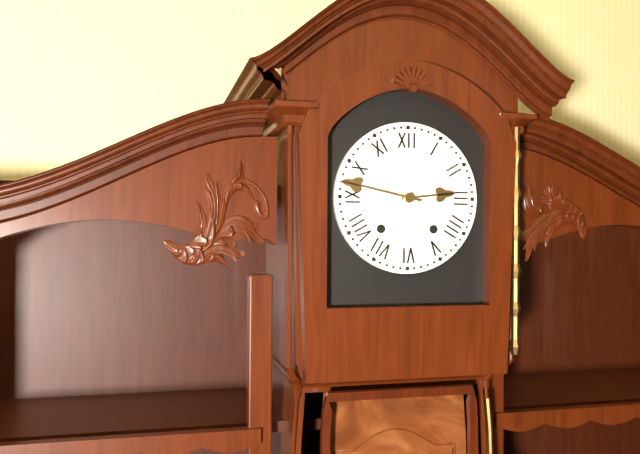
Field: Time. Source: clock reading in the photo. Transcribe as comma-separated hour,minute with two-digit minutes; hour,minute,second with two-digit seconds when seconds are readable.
2,47
